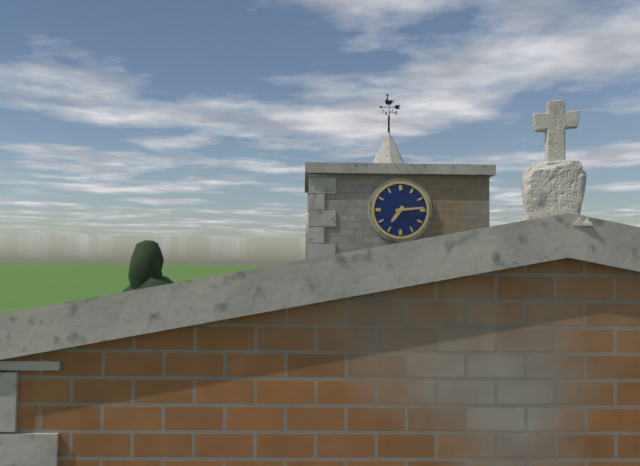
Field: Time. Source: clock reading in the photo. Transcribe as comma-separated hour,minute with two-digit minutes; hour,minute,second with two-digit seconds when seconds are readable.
7,14
